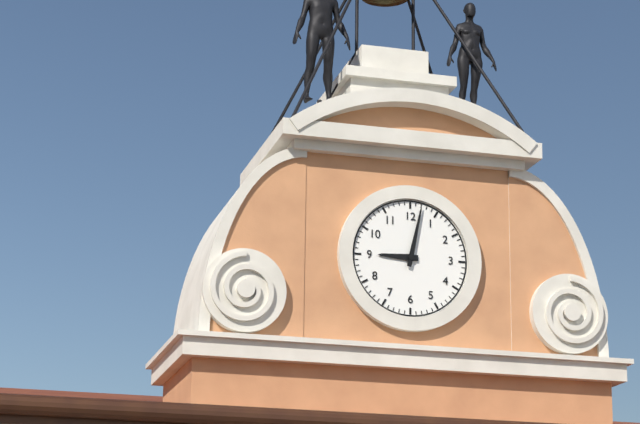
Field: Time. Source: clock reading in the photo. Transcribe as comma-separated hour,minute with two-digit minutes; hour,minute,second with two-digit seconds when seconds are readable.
9,02
